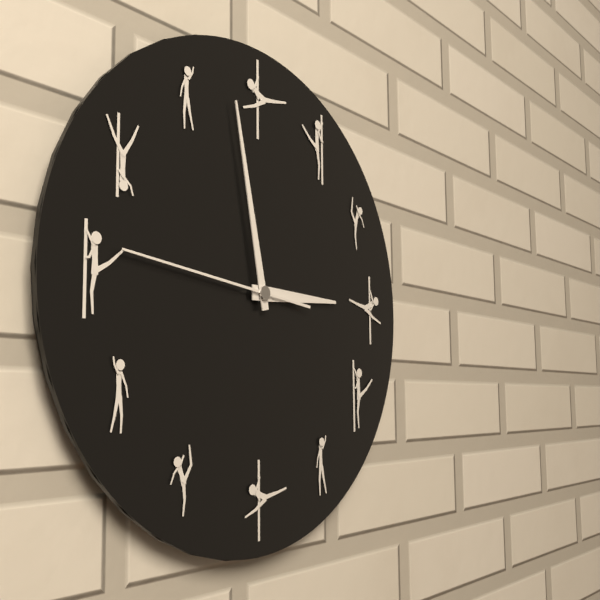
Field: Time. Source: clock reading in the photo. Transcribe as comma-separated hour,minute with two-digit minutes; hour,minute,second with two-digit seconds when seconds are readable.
2,58,46
